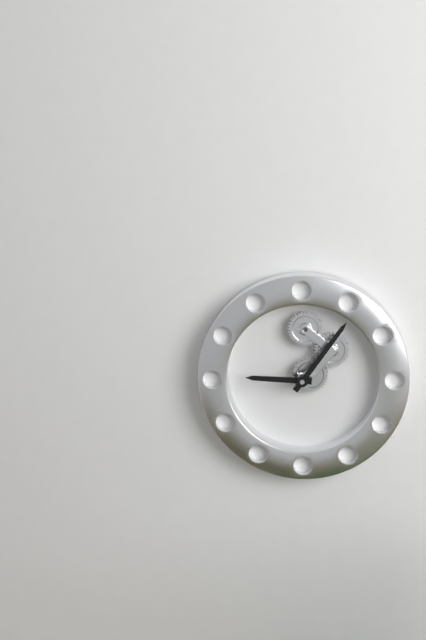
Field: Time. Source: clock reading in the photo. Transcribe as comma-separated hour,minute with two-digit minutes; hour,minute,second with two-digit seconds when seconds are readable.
9,06
